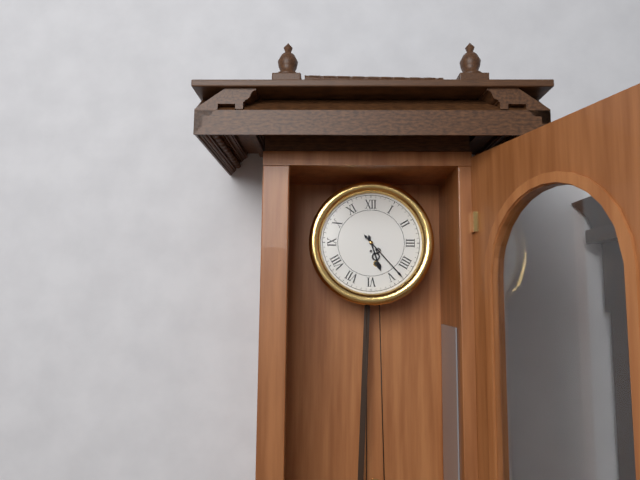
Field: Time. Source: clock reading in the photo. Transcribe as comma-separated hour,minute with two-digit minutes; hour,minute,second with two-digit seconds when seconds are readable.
5,23
